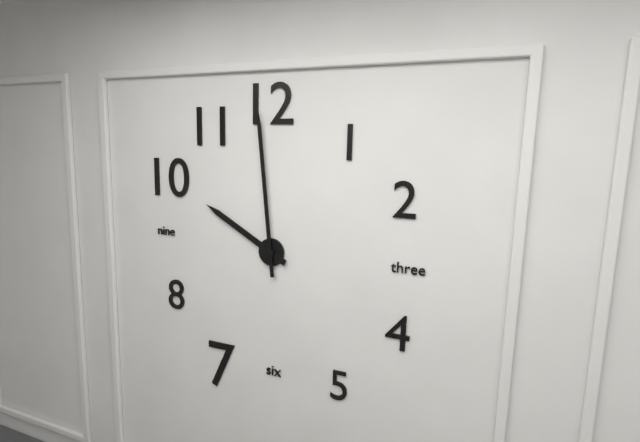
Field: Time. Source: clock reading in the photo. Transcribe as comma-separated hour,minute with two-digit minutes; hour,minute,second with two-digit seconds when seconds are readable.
9,59
